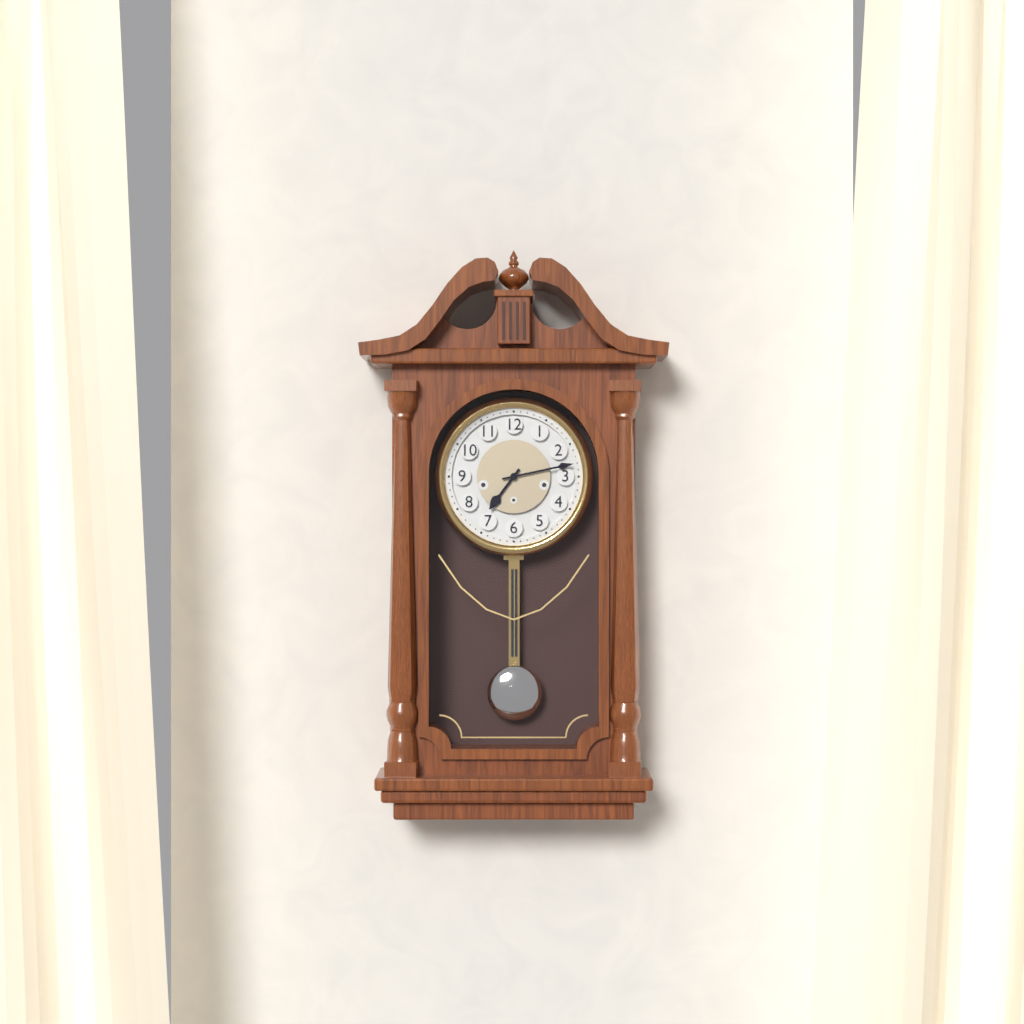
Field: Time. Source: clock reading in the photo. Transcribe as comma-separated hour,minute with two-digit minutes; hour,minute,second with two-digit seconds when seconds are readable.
7,13
